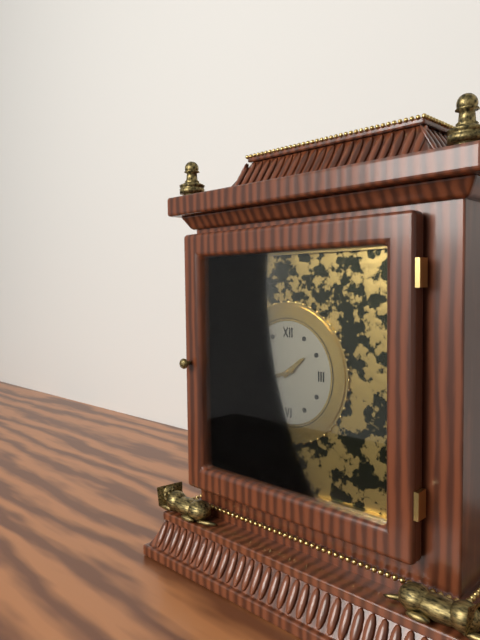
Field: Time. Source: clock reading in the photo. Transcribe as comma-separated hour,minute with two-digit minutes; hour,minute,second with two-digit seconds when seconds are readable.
1,42
